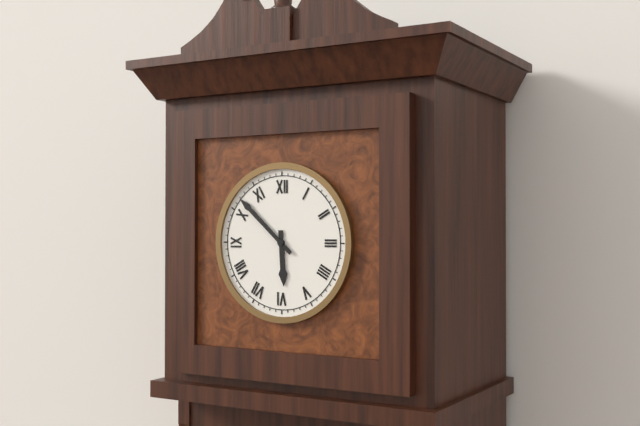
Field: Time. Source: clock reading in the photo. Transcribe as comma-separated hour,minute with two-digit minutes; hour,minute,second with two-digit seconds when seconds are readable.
5,52
